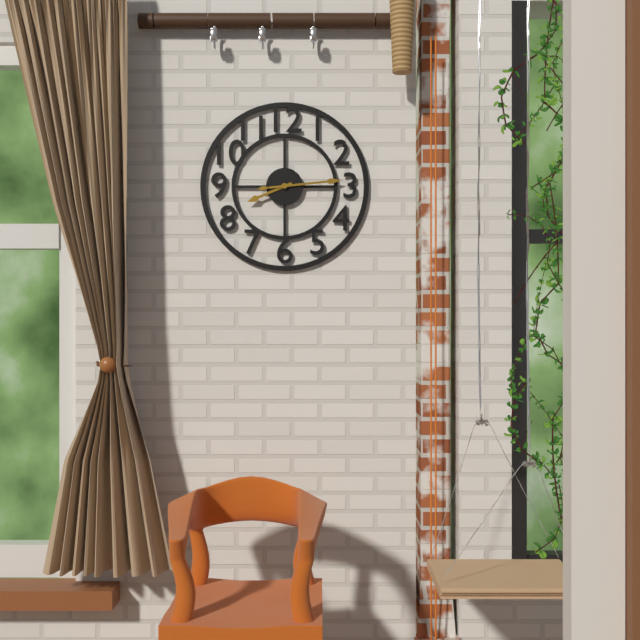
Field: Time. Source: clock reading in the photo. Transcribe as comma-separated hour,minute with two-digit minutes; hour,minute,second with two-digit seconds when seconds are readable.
8,14
